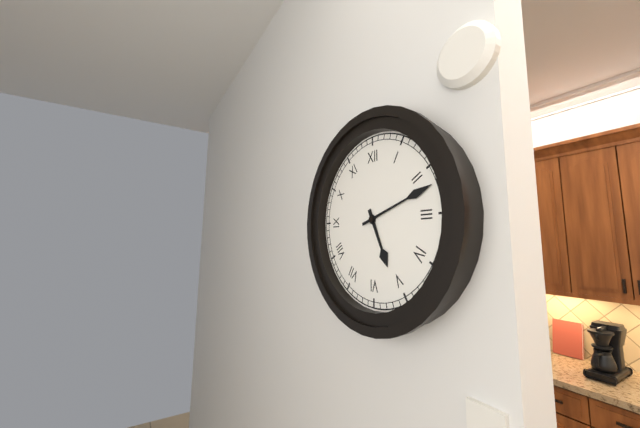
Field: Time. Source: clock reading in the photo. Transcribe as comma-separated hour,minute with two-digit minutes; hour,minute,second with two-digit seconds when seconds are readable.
5,12
